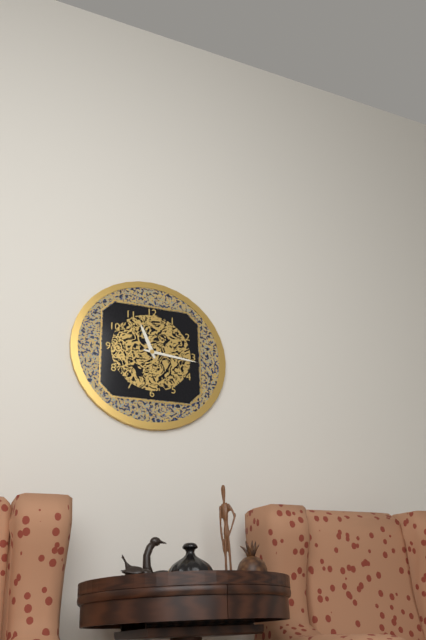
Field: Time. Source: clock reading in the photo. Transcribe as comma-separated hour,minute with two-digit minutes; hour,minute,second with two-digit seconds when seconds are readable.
11,16
